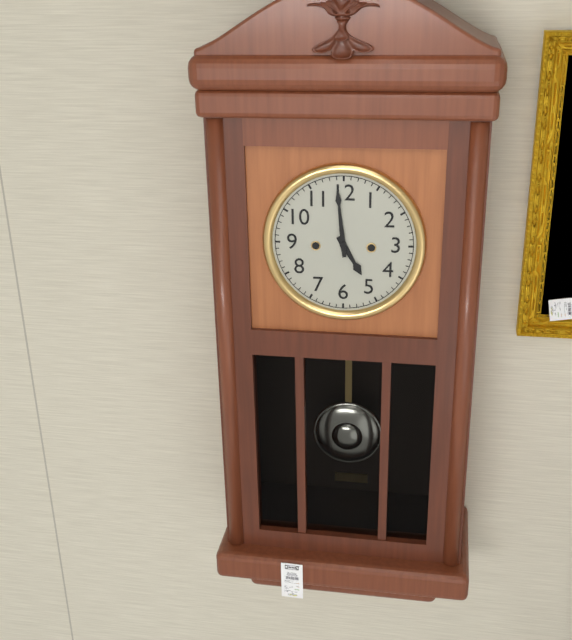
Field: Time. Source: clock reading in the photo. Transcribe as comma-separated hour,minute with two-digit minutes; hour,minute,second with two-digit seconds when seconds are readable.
4,59
